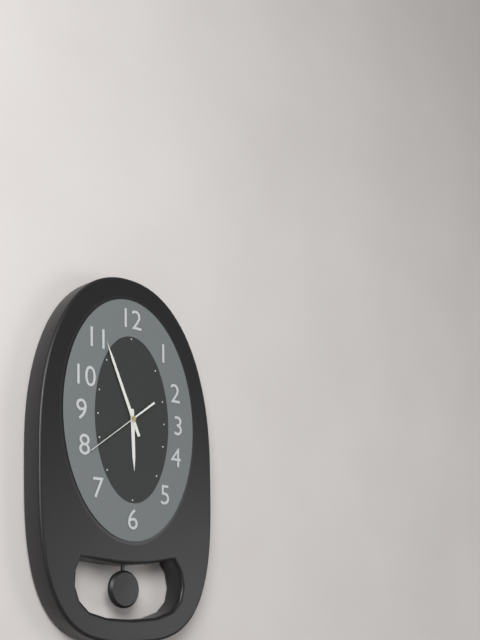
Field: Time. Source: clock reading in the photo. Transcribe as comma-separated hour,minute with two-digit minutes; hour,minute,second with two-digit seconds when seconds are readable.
5,56,39
